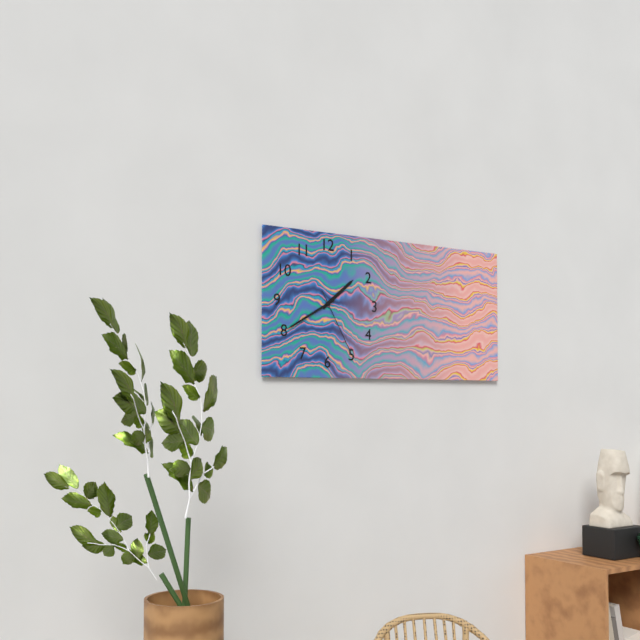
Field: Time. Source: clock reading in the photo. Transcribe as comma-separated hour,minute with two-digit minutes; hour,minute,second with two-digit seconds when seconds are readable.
1,40,25
